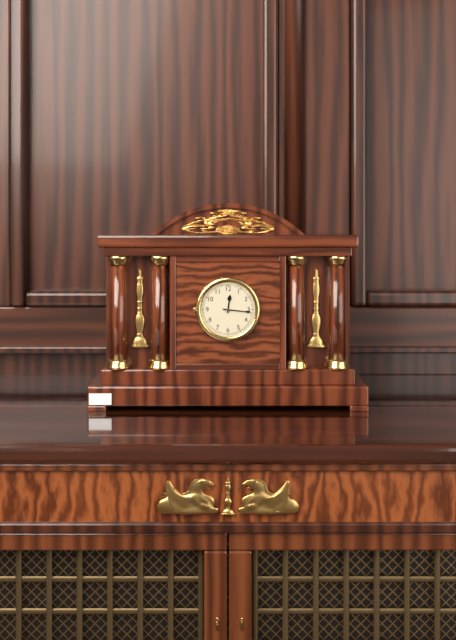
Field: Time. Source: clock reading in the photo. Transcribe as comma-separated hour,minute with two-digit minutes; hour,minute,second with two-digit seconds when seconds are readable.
12,16
